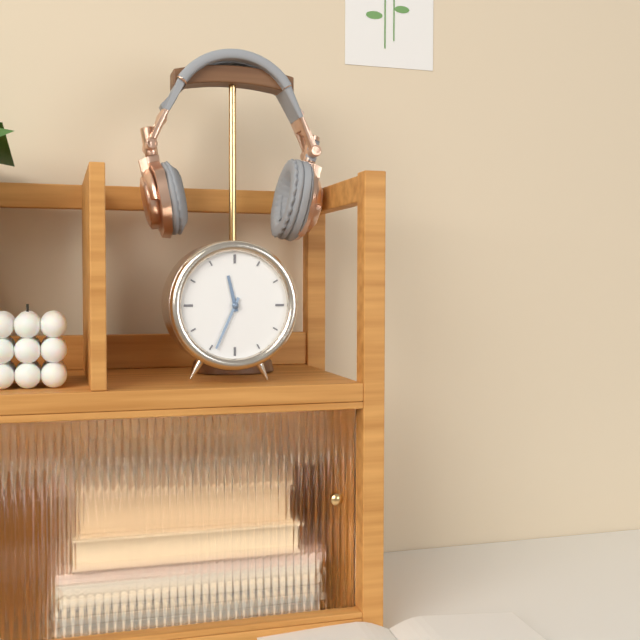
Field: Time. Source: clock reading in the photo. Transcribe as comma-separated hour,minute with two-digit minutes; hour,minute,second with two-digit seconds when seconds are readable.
11,34
